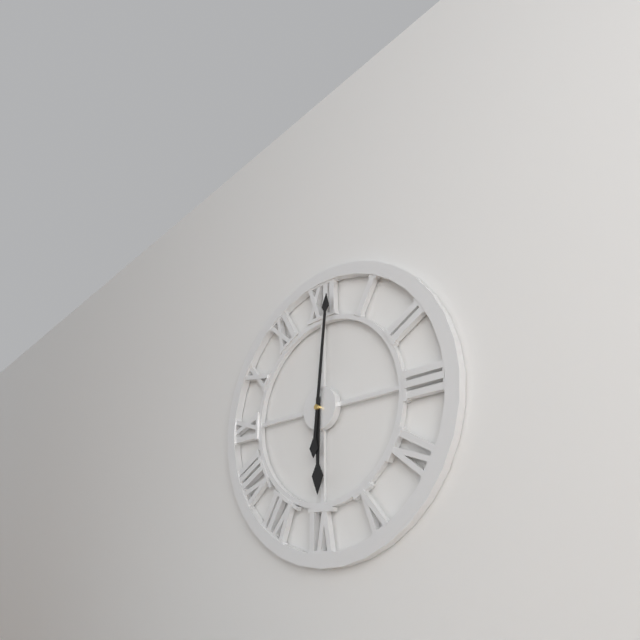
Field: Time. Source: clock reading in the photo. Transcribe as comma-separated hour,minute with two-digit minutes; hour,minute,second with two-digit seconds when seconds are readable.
6,01
